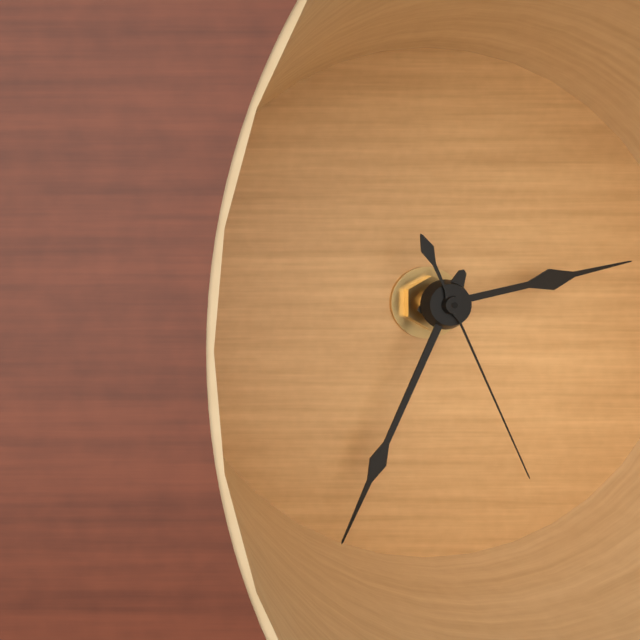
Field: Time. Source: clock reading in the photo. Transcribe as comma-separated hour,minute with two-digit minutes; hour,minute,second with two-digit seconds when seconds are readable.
2,34,26
